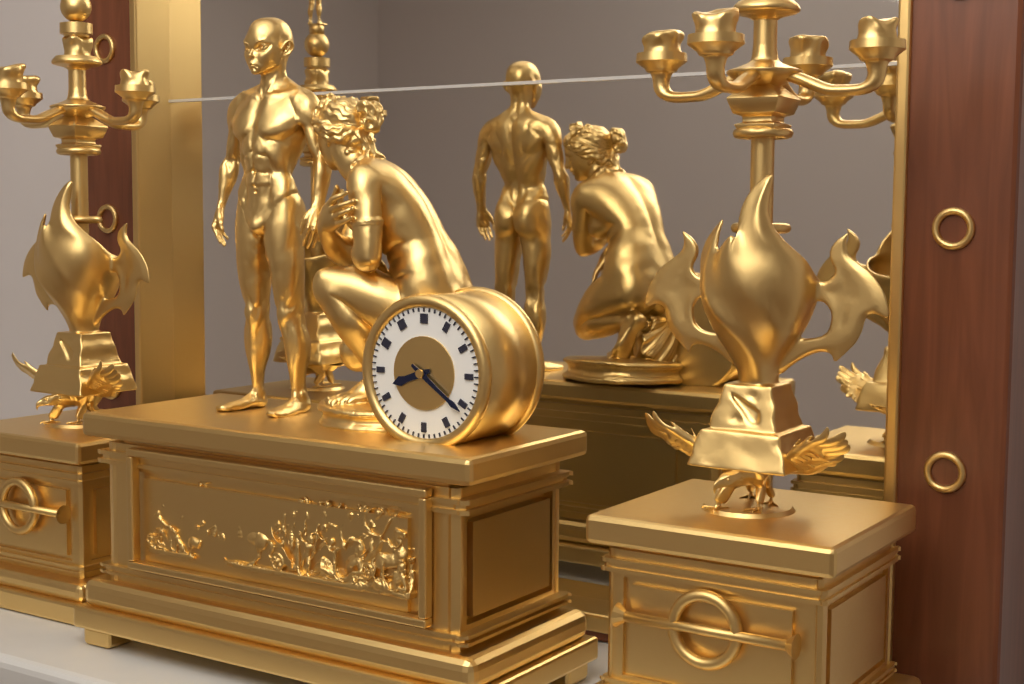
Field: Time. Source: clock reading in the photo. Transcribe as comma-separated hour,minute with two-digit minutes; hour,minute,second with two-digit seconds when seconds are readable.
8,21
